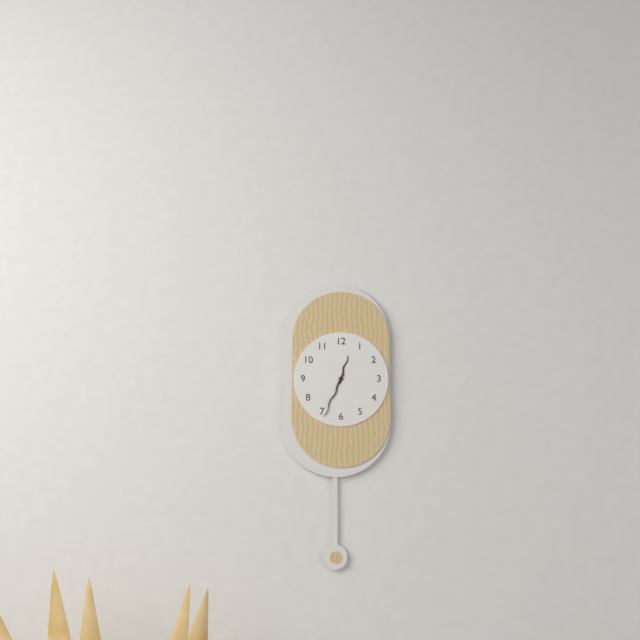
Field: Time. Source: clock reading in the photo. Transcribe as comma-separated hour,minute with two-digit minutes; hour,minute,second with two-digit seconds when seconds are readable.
12,34
